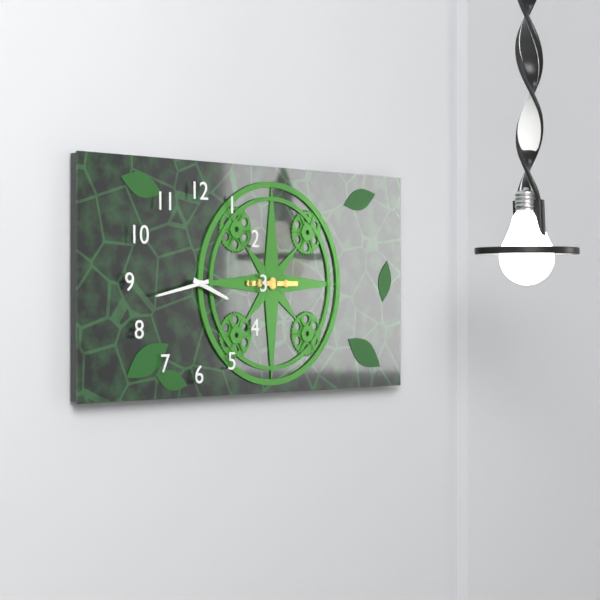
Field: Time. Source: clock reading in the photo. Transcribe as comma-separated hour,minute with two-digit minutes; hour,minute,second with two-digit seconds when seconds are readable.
3,43
